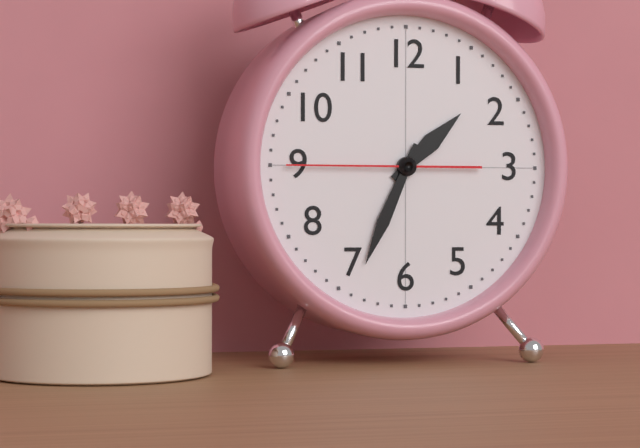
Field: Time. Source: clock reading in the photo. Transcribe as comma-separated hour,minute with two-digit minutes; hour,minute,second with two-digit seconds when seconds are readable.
1,34,45
